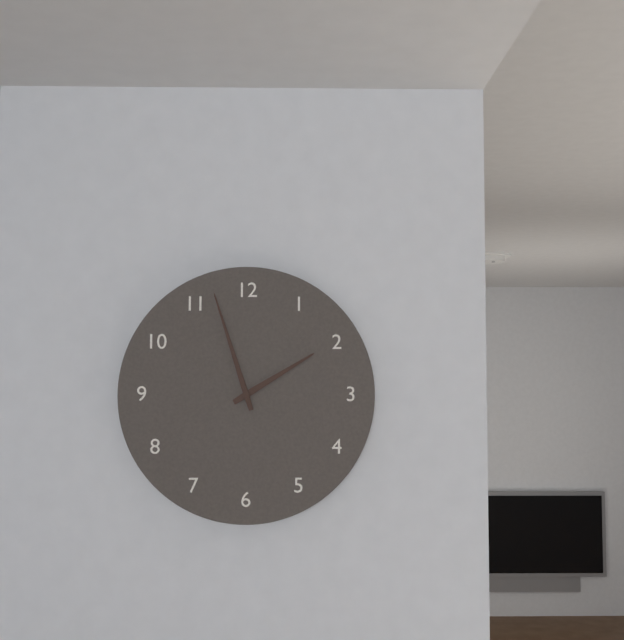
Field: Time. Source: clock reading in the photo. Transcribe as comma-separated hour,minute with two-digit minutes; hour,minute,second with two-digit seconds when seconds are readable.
1,57
